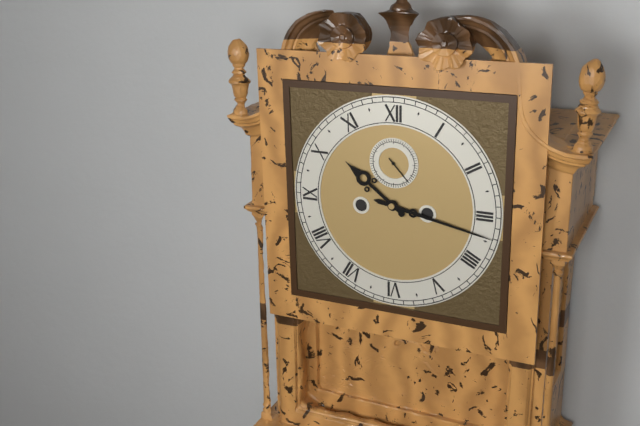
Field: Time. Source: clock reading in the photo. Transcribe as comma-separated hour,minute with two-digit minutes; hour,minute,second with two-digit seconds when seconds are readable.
10,17
